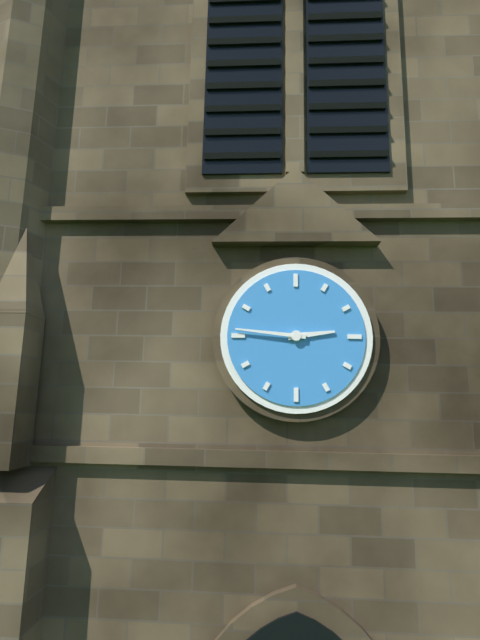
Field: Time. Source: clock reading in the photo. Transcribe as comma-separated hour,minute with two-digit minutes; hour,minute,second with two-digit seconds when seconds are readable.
2,46
